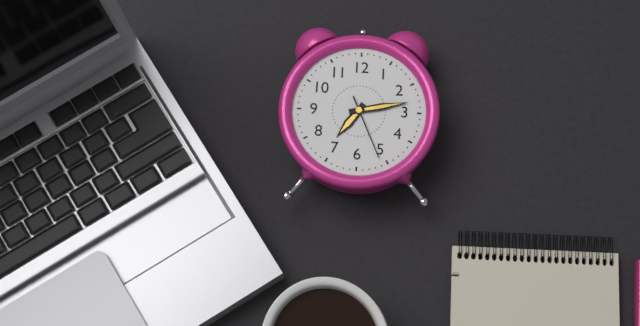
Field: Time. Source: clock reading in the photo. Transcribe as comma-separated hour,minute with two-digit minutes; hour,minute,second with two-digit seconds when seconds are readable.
7,13,26
